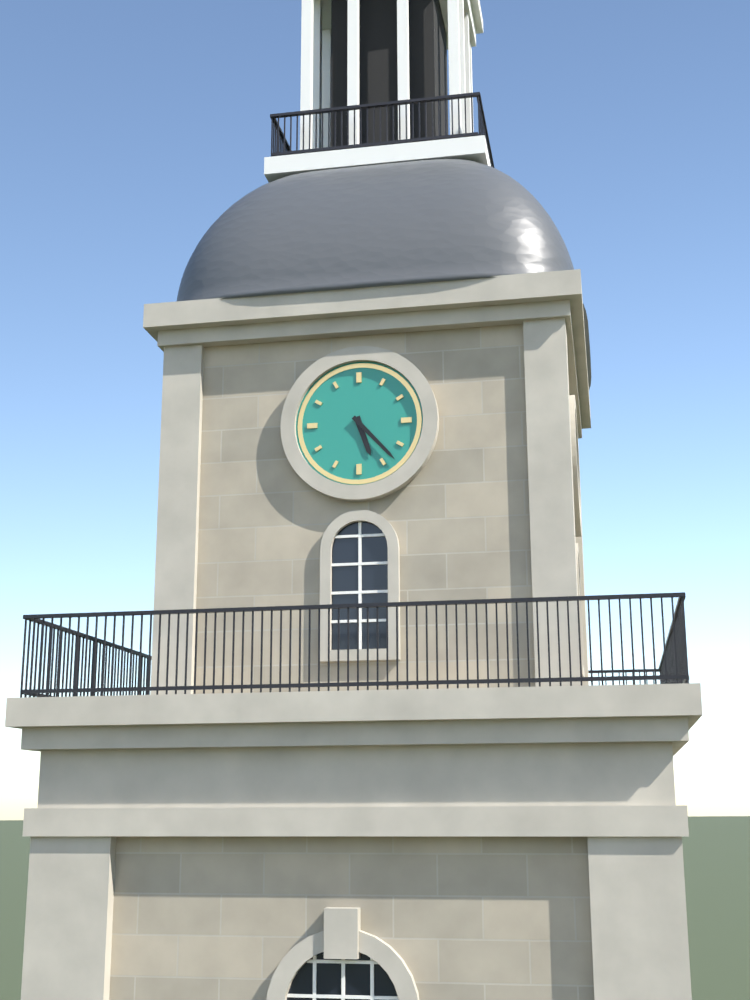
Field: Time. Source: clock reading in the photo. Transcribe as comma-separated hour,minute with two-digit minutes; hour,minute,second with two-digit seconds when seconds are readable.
5,23
